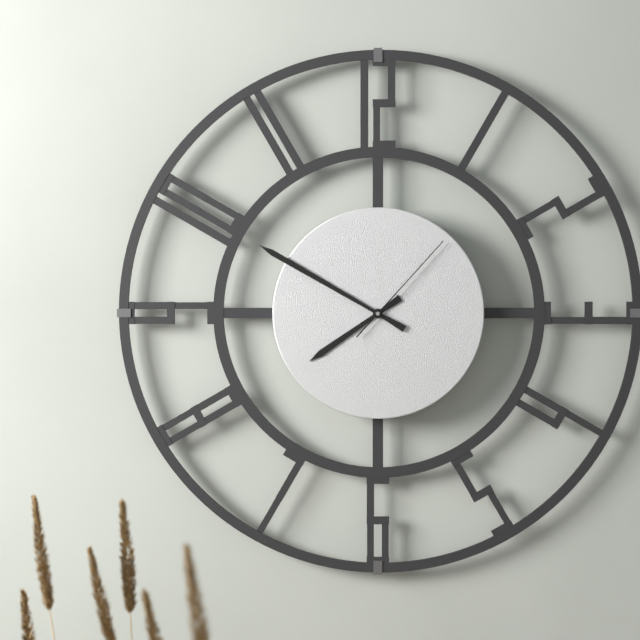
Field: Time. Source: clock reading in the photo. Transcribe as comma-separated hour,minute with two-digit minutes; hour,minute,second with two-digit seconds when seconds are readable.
7,50,07
